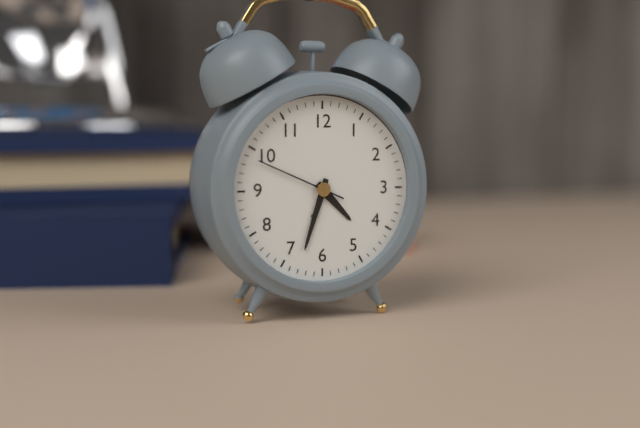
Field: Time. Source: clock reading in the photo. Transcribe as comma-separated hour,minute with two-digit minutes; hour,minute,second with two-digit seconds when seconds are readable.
4,33,49
